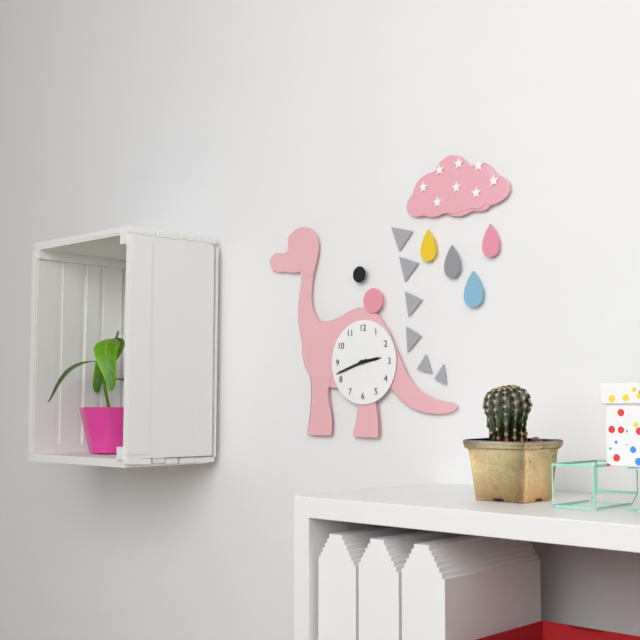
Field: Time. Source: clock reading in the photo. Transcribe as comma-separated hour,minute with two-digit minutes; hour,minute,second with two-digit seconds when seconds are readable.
2,42
